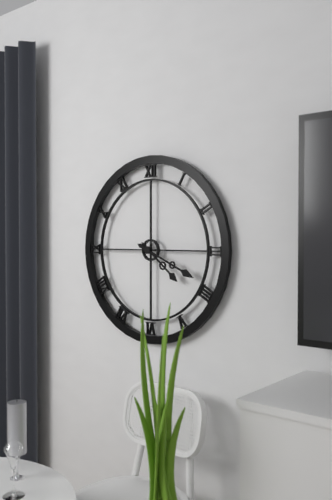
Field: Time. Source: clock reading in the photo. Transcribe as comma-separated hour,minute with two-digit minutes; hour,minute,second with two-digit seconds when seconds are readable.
4,19
